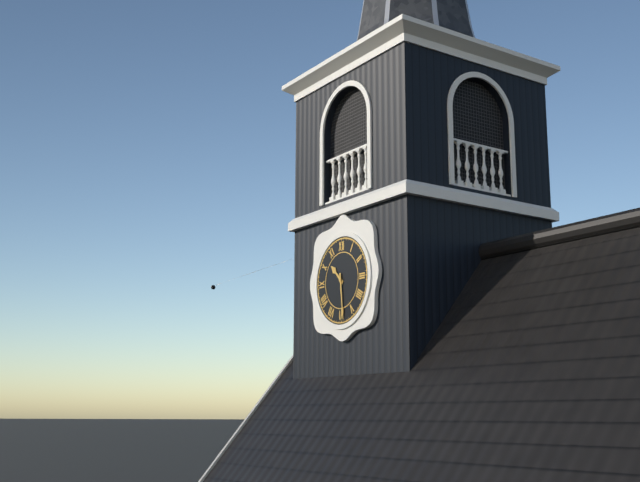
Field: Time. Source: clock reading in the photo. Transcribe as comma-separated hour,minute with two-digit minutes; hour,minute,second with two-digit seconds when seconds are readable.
10,29
